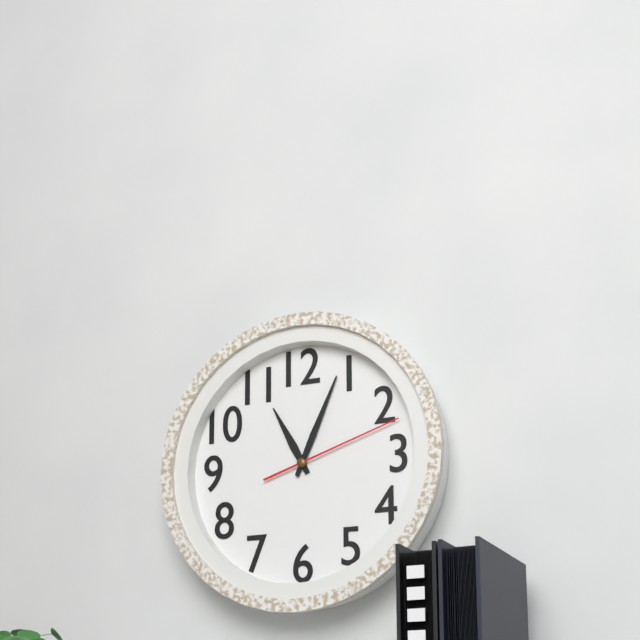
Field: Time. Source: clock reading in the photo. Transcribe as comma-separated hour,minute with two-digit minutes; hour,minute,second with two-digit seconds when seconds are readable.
11,04,12
